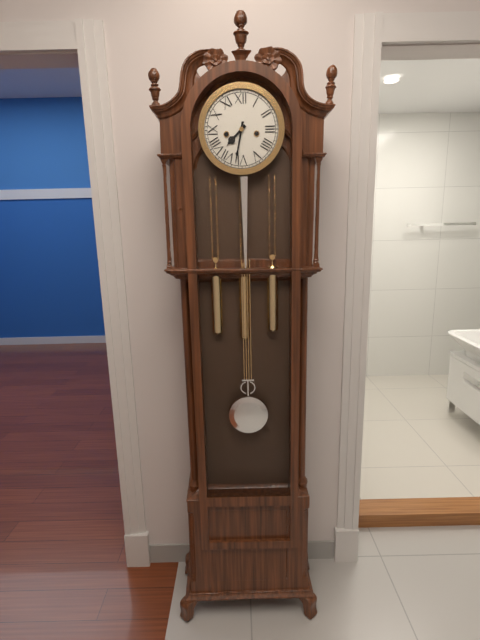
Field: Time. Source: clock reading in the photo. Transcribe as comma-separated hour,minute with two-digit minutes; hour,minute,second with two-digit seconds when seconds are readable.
7,32
